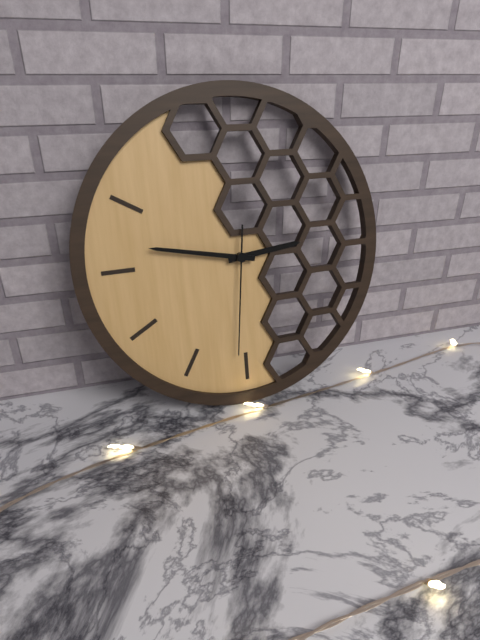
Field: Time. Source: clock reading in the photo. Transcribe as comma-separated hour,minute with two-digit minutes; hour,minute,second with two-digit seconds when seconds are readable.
2,47,31
